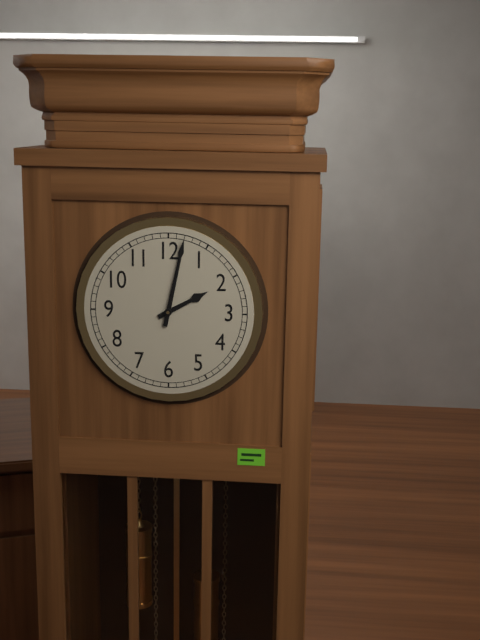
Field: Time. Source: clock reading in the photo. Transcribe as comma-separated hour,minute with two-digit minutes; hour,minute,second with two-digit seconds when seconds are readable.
2,02
